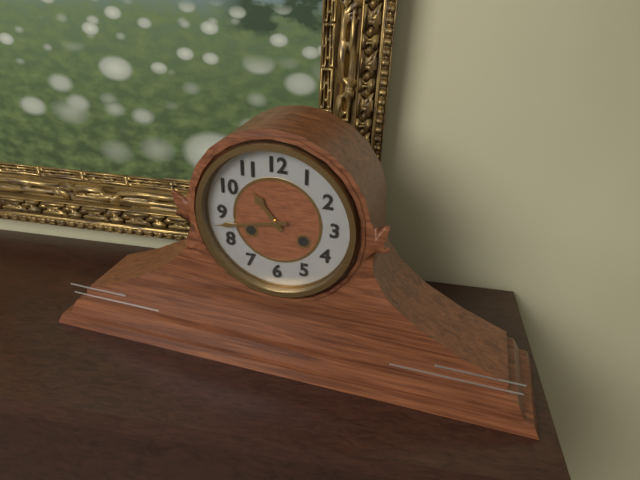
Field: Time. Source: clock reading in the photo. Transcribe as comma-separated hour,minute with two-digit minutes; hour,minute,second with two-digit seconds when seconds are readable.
10,43
